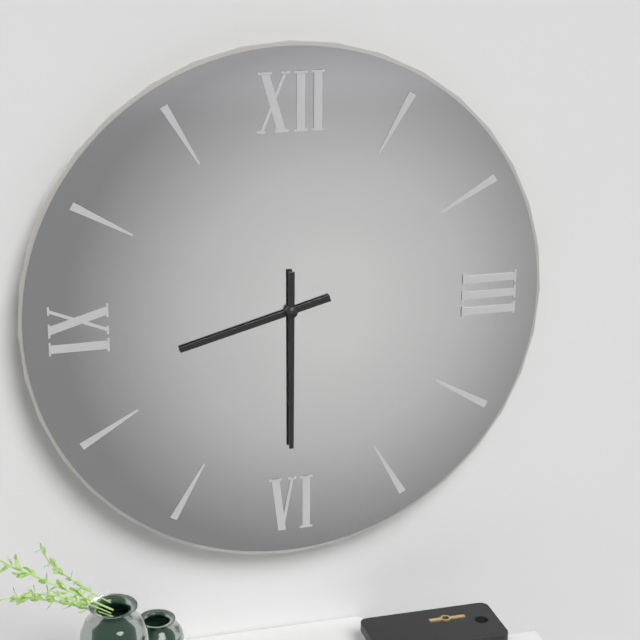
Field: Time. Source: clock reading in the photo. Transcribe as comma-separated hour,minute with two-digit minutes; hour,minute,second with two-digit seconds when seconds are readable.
8,30
